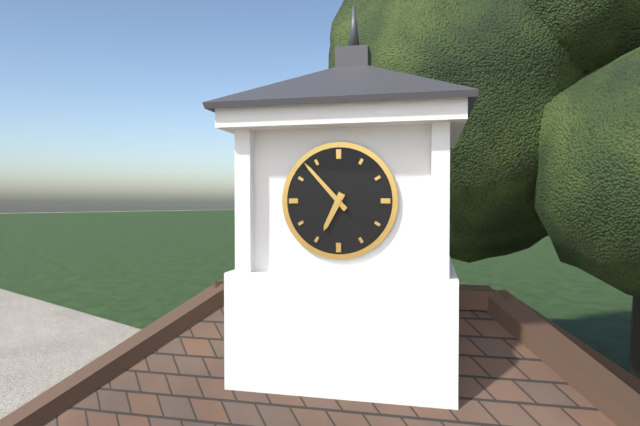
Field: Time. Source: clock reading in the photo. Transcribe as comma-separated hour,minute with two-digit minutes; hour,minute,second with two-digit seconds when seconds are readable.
6,53
